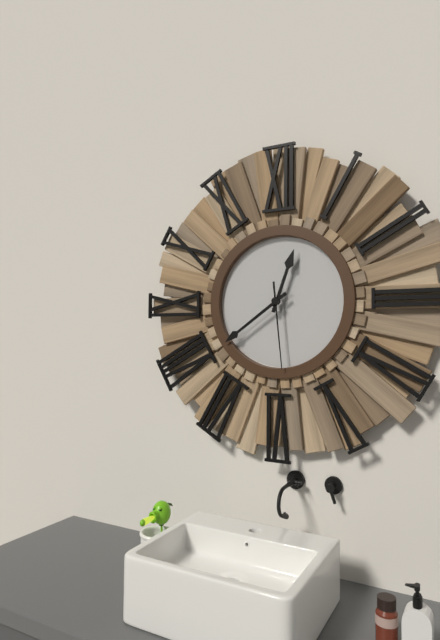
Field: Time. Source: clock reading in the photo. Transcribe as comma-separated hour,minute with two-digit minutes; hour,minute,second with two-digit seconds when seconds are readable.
12,39,29
